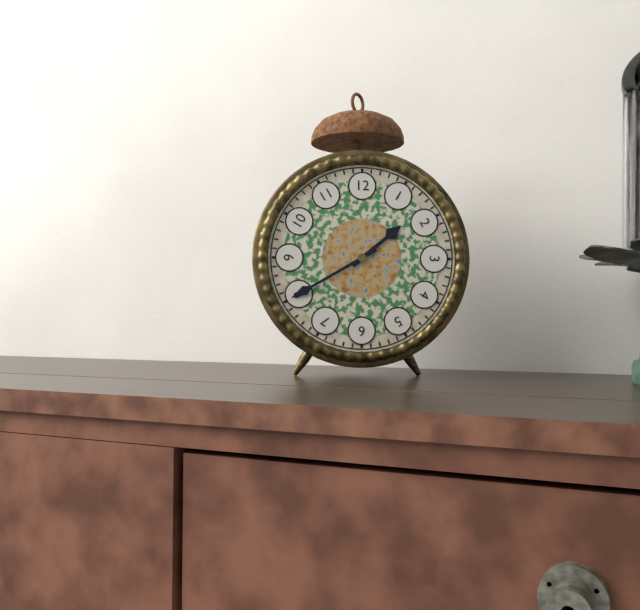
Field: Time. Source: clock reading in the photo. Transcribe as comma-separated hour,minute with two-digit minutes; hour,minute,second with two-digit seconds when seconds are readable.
1,40
